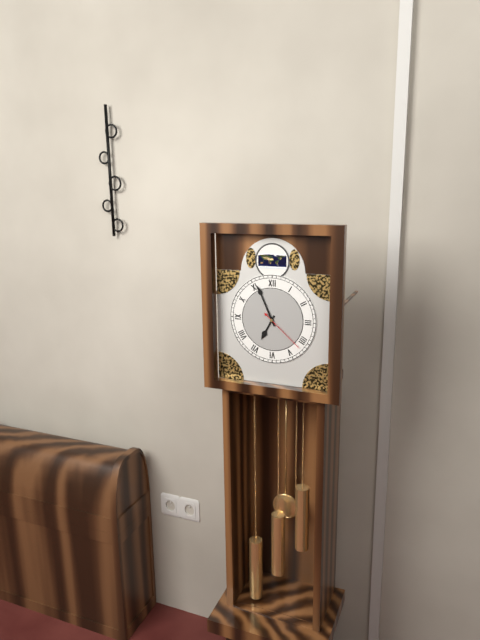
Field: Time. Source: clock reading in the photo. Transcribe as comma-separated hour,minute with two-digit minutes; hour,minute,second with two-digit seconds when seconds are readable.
6,56
